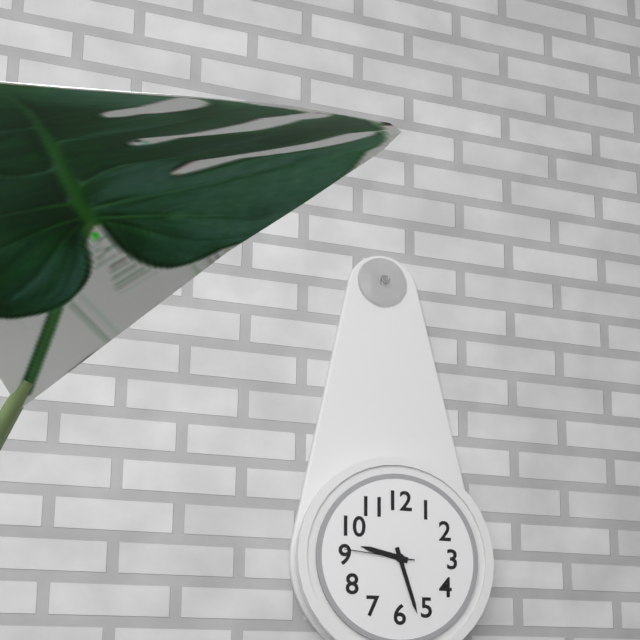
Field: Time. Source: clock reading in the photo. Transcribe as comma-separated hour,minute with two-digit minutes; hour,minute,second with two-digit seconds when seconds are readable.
9,27,46
